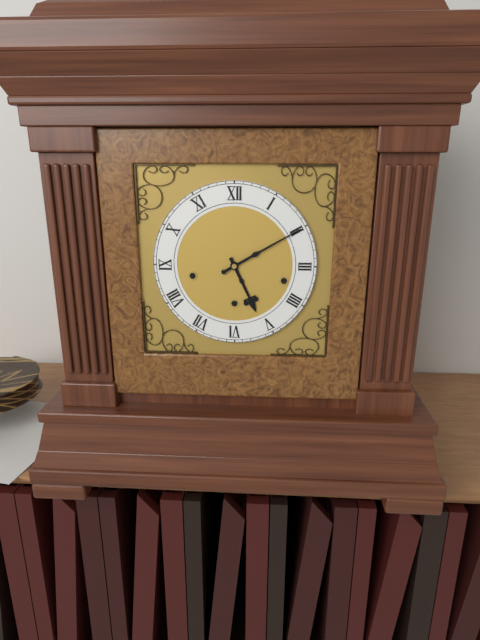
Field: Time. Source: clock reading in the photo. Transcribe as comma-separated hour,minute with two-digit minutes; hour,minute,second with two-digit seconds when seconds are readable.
5,10
